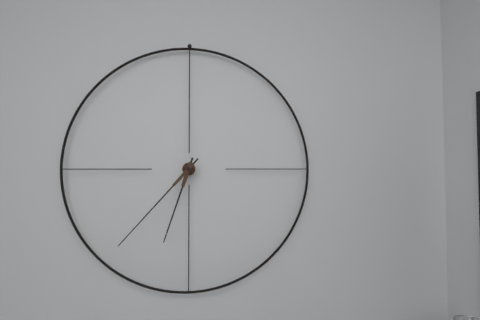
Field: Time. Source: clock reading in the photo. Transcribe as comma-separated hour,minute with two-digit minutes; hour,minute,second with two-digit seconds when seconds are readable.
6,37
